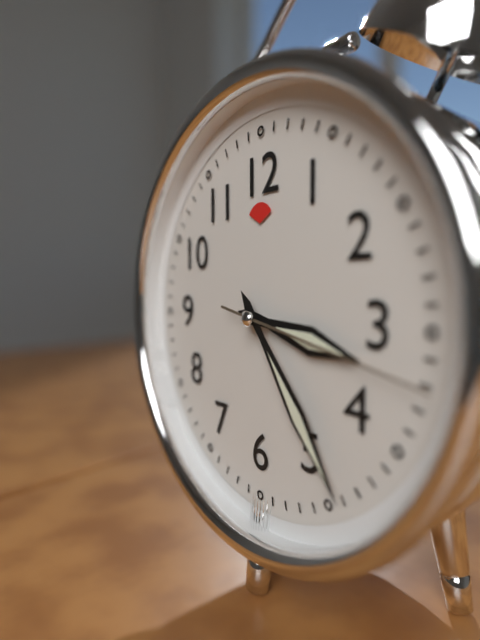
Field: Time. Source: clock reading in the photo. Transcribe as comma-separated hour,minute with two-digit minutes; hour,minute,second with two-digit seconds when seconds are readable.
3,24,17
